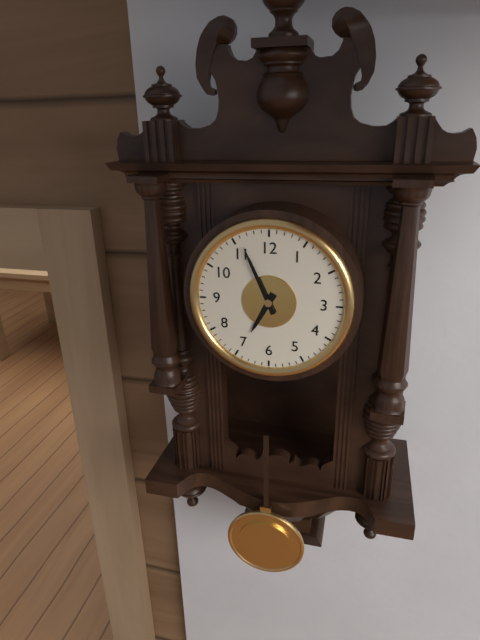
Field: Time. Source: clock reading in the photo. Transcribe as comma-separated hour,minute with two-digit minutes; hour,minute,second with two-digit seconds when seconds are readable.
6,56
